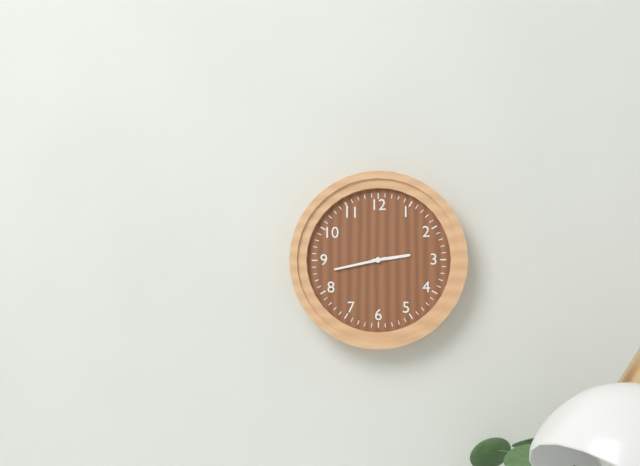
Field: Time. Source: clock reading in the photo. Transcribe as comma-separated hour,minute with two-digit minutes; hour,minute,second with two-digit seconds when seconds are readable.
2,43
